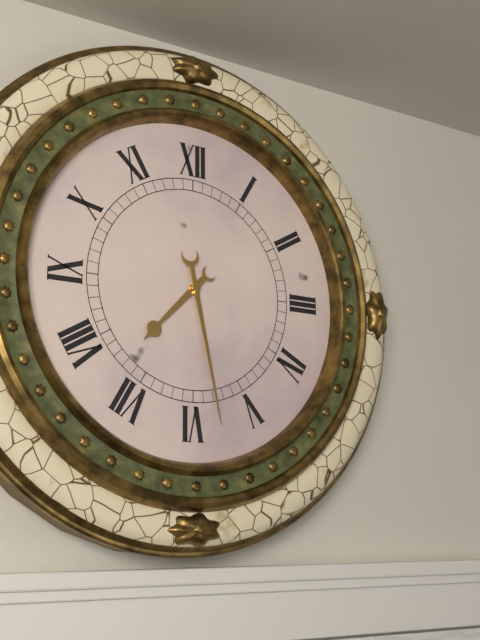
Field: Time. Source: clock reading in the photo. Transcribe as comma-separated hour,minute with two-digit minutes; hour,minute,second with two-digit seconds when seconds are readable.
7,28
